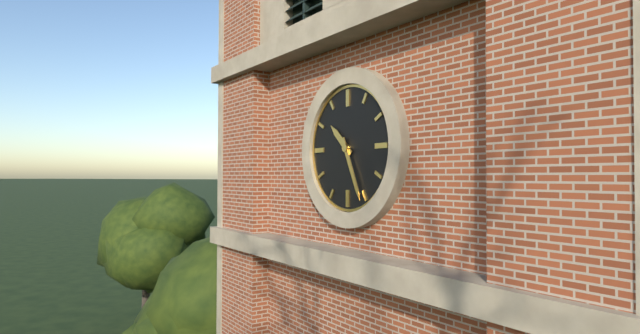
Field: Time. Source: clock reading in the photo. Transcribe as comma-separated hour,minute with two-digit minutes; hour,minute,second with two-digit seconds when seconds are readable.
10,26
